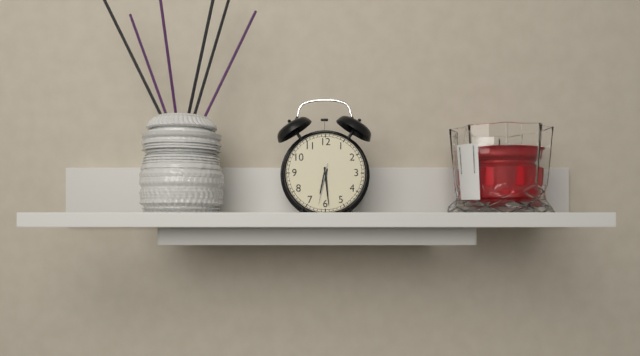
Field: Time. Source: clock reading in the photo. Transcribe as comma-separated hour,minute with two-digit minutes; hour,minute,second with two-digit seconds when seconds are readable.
6,29
